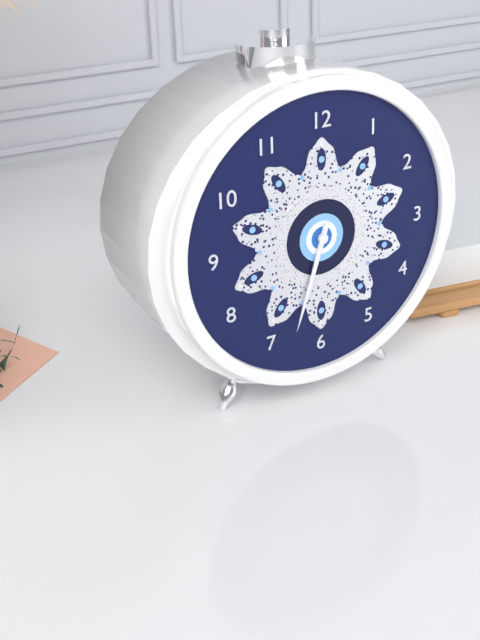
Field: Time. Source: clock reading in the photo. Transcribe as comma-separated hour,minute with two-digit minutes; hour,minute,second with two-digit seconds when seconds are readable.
6,33
